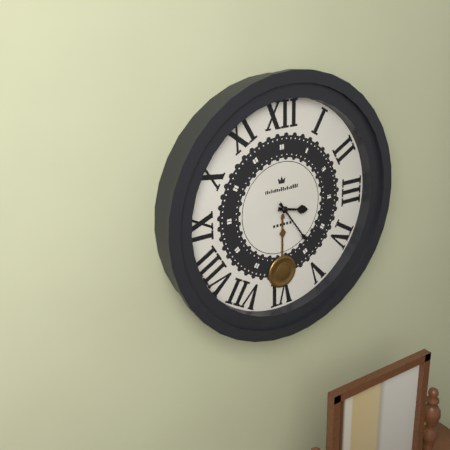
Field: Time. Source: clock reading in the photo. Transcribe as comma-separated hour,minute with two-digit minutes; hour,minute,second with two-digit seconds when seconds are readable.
3,24
